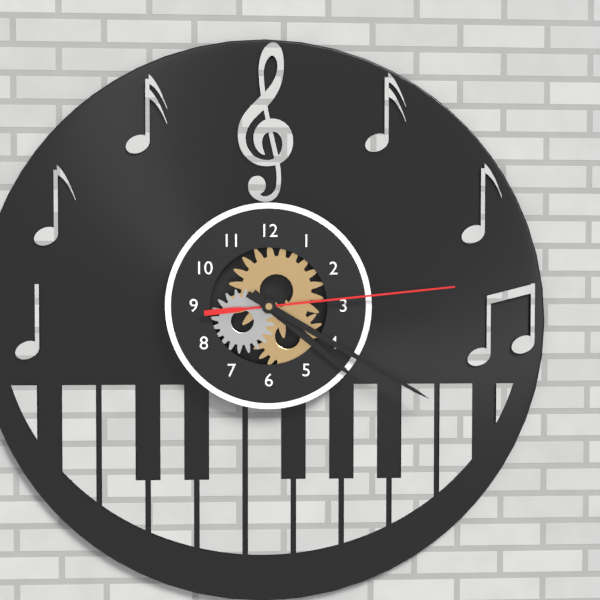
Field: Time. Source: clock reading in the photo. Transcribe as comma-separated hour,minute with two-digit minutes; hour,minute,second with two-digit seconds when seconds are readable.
4,20,14
